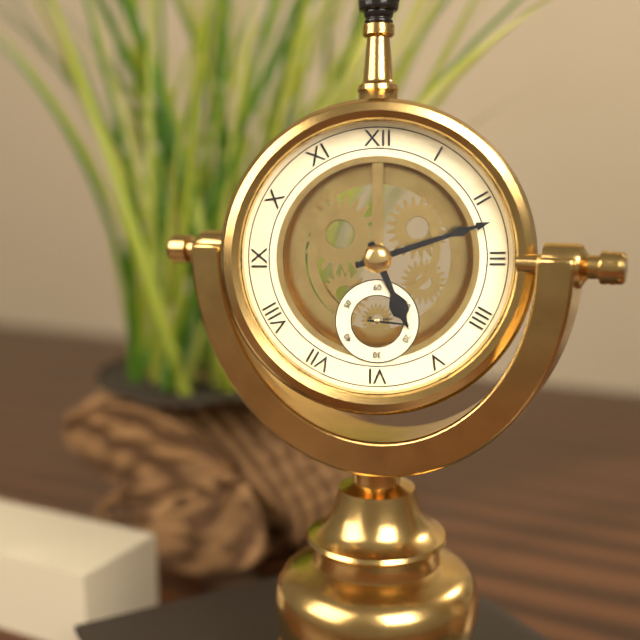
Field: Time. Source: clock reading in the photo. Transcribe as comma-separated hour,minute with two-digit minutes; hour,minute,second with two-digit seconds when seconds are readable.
5,12
